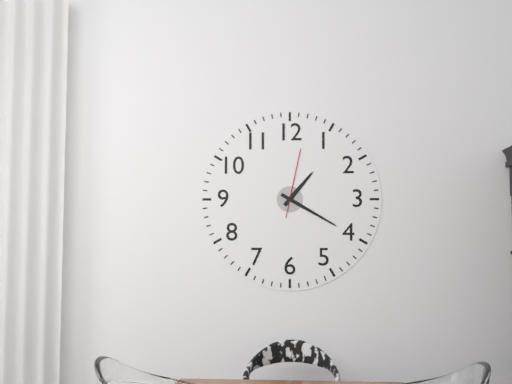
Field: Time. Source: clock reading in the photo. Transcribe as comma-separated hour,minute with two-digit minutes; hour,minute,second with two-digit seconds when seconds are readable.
1,20,02
